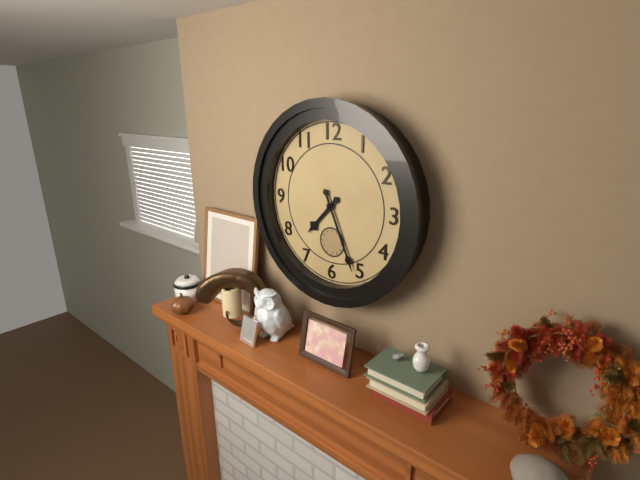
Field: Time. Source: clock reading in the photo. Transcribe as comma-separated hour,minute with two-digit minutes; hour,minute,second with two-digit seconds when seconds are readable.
7,26
